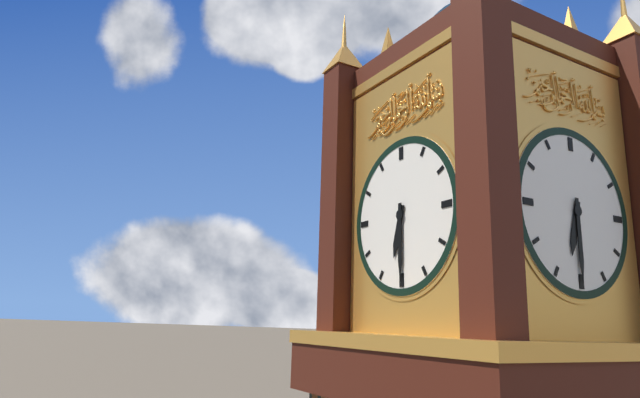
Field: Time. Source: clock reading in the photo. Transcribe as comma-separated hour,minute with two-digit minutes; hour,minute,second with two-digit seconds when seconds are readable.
6,30
